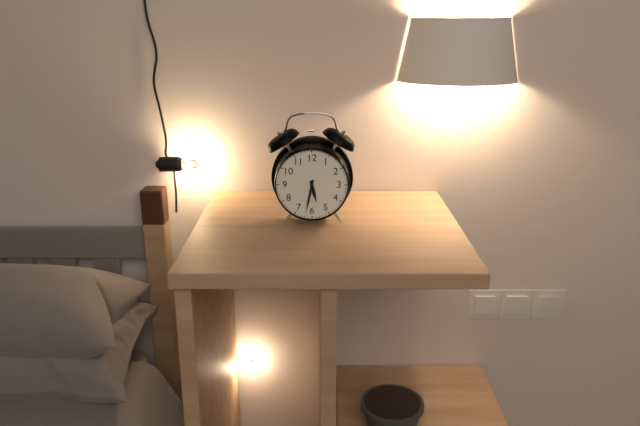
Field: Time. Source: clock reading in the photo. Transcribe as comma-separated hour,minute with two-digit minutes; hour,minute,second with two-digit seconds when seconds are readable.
5,32
